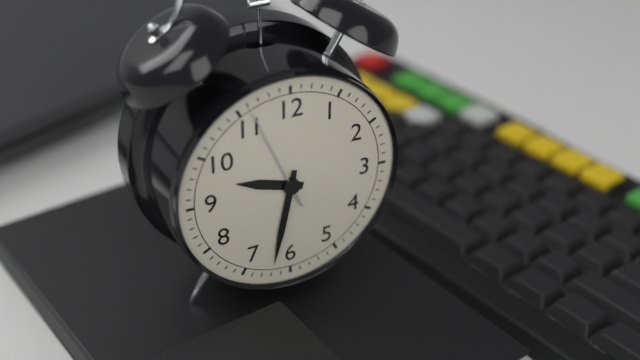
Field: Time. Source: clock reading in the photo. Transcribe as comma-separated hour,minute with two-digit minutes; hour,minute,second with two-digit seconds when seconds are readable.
9,32,56
